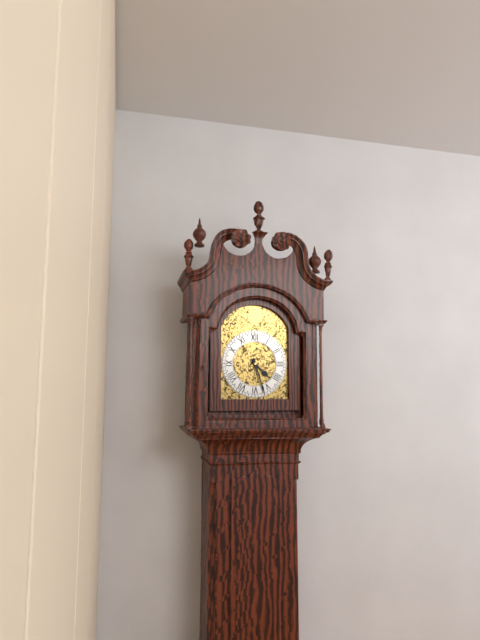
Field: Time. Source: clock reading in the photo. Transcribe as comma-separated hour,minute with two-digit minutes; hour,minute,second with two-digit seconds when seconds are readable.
4,27
